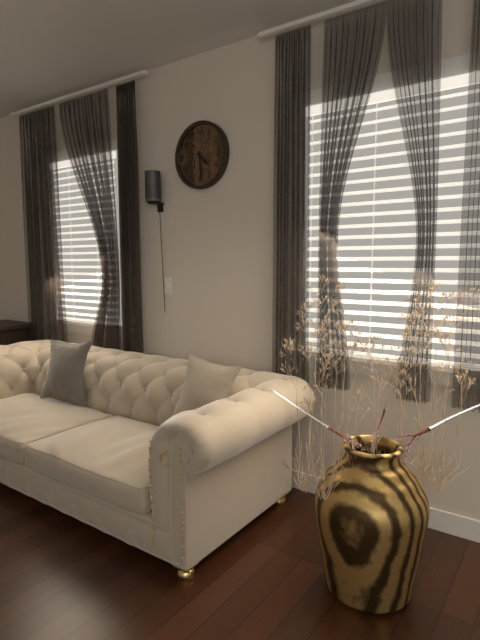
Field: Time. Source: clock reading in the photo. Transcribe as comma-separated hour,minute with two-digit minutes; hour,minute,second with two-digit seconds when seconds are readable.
4,29
